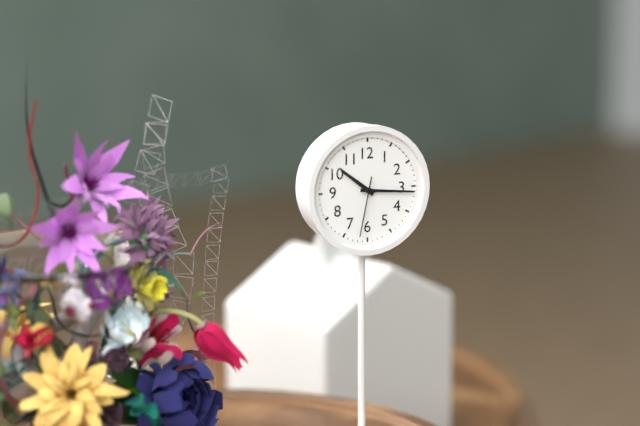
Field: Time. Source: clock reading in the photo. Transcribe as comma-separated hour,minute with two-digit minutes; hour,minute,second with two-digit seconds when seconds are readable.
10,16,32
